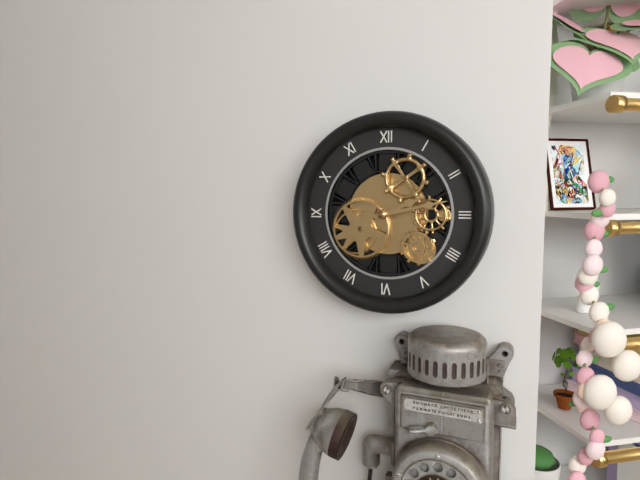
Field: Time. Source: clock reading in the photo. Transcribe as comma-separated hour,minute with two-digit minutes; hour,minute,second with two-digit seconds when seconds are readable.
2,13
